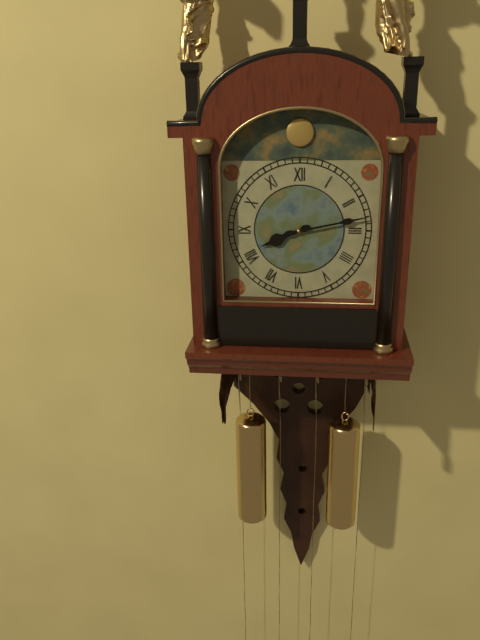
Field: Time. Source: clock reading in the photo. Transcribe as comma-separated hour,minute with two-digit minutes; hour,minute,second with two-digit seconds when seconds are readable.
8,13
